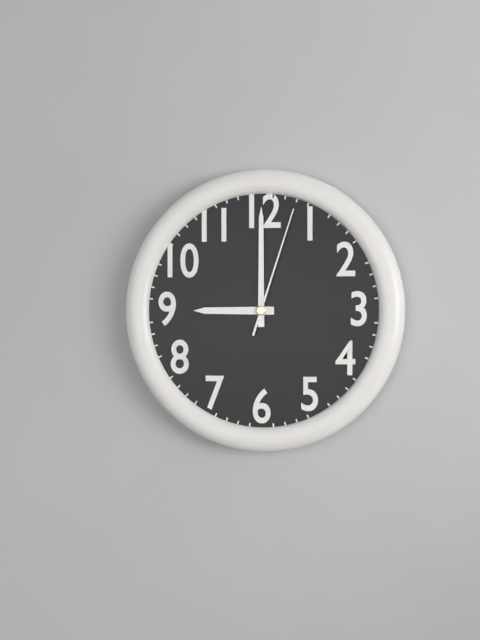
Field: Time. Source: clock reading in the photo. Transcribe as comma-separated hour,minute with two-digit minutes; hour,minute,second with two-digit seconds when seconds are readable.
9,00,03
